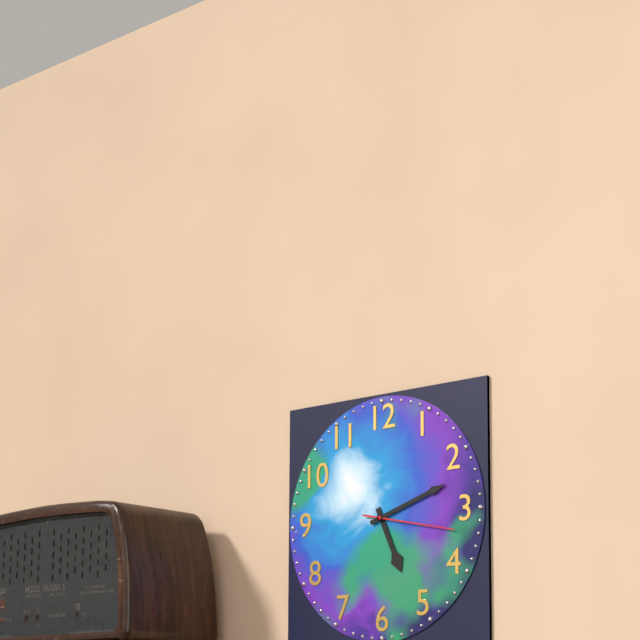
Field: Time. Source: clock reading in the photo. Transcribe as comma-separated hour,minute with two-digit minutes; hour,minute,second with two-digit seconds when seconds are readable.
5,12,17
